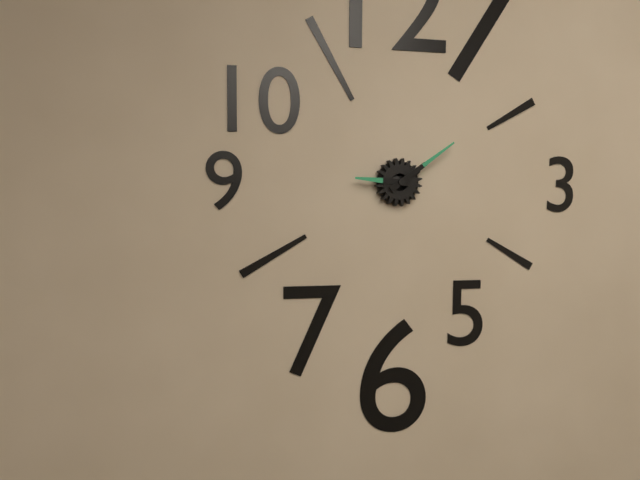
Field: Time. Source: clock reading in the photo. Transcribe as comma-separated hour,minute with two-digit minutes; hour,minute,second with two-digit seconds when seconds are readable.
9,09
